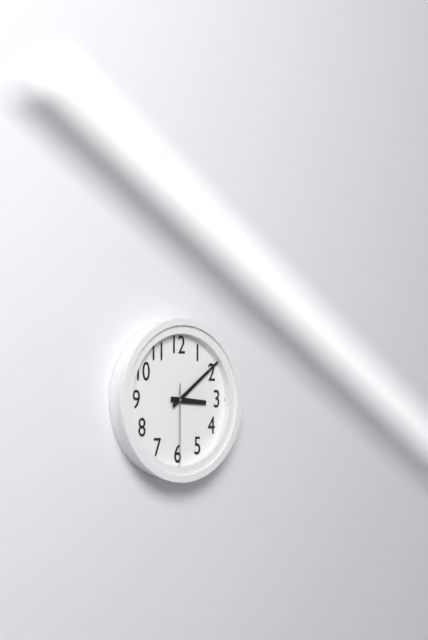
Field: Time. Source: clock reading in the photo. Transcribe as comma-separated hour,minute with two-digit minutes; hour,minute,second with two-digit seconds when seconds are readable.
3,09,30
